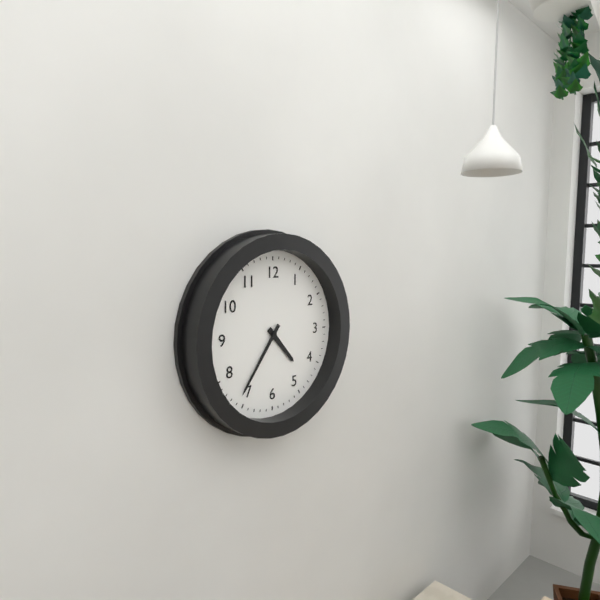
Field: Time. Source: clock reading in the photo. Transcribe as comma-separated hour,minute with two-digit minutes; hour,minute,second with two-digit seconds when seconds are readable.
4,36
